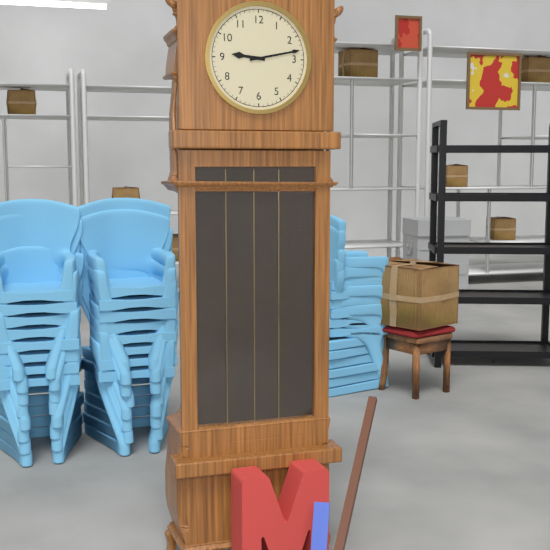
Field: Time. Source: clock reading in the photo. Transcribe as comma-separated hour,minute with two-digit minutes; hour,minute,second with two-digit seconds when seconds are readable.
9,13
